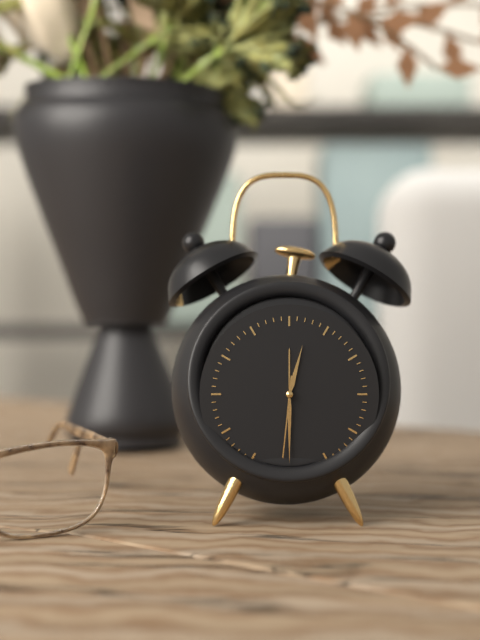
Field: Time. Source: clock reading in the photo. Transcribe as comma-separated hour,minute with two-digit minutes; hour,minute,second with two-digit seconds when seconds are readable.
12,30,31
